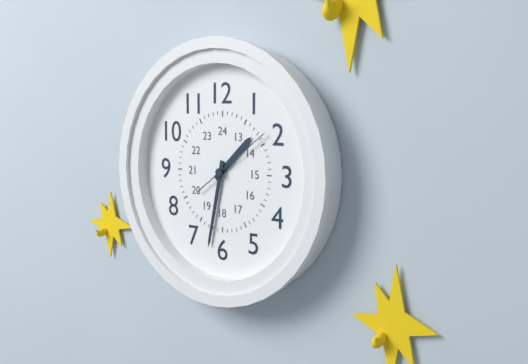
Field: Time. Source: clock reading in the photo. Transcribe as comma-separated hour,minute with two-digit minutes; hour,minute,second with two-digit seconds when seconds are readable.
1,32,09
